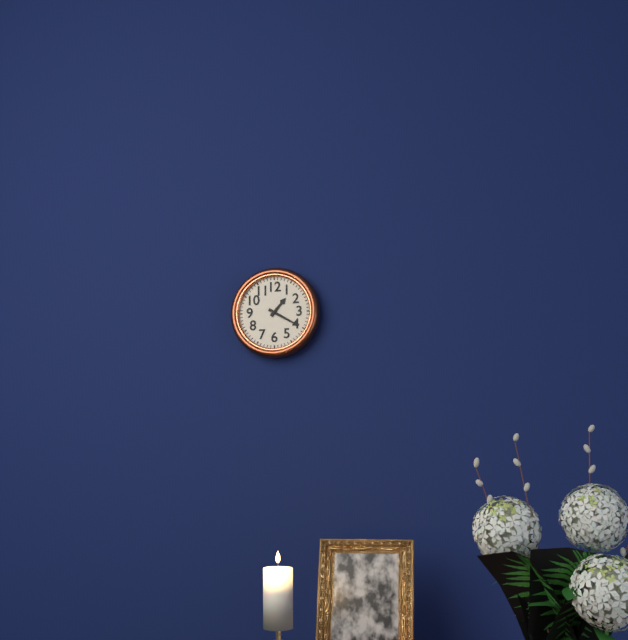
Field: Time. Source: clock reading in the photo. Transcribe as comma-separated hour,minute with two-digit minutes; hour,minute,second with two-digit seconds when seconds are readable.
1,20
